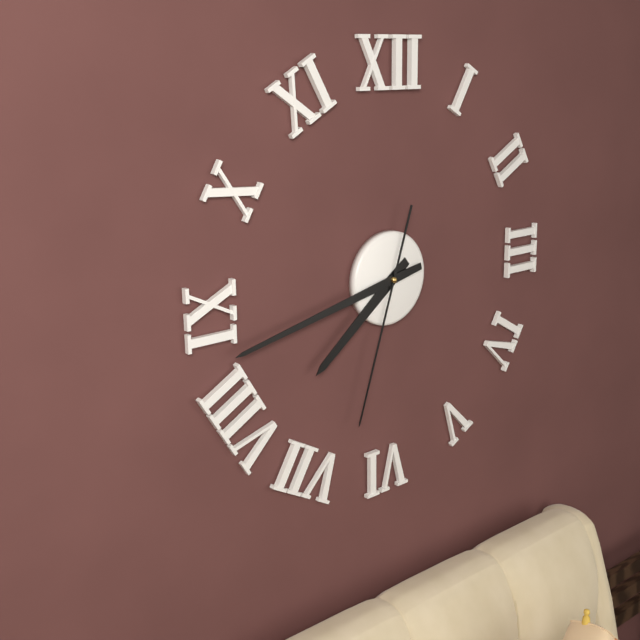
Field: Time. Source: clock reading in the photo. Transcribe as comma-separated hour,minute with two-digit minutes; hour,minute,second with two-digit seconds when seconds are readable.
7,43,33
